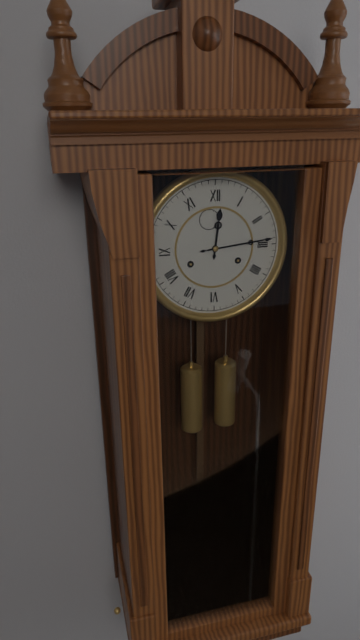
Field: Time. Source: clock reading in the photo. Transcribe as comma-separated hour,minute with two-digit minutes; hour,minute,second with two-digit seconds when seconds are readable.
12,14
